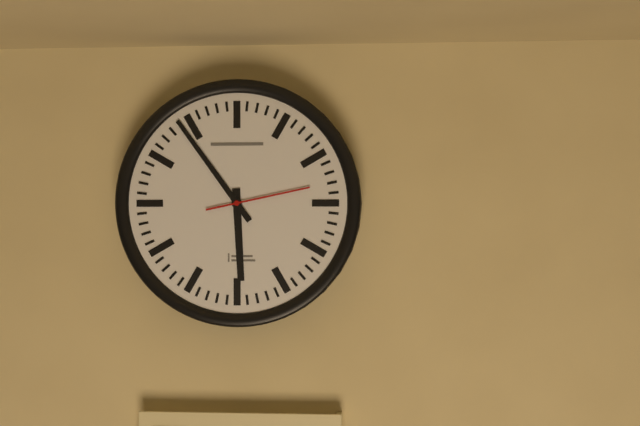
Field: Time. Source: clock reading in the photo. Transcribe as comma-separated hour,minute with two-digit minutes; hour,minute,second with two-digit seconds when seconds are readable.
5,54,13
